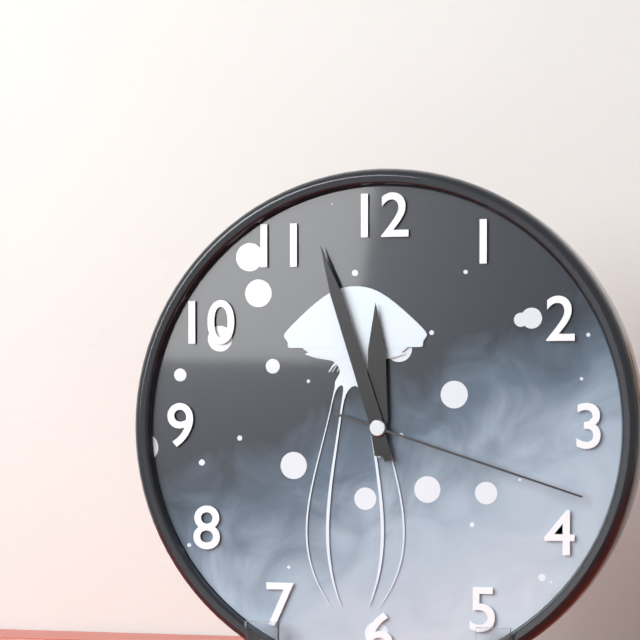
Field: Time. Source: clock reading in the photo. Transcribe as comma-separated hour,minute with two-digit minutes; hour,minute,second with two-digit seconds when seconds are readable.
11,57,18
